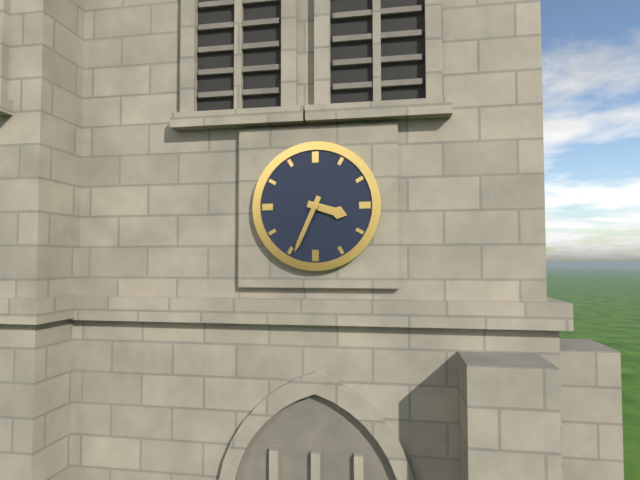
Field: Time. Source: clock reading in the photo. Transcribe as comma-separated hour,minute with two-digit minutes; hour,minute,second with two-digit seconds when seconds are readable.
3,34
